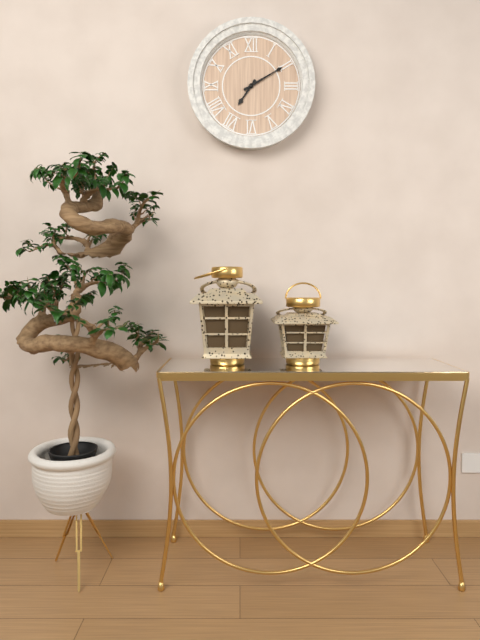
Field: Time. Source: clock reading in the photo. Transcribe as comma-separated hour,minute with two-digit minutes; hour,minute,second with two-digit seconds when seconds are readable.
7,10
